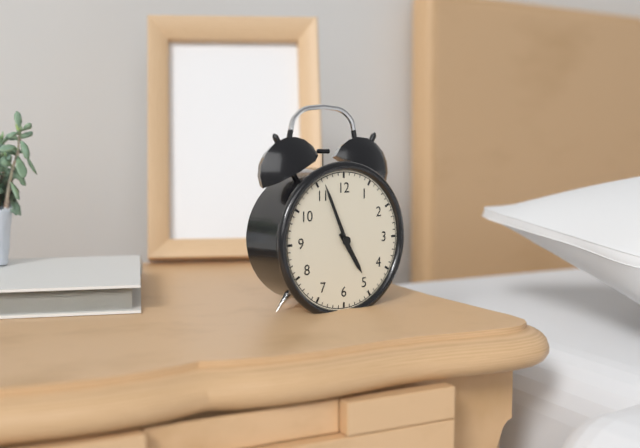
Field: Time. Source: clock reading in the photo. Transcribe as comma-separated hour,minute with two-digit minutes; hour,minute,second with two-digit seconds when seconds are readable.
4,56
